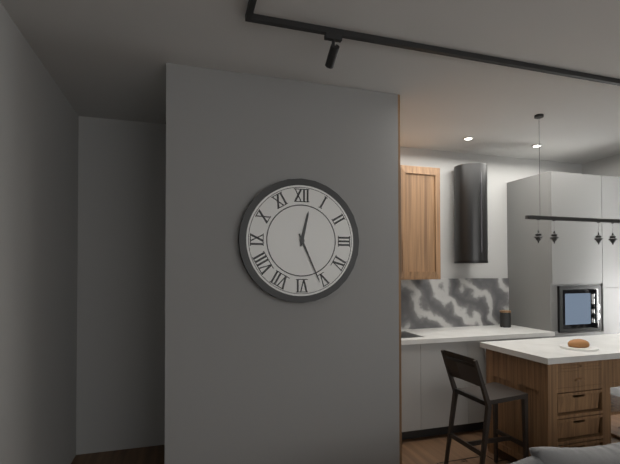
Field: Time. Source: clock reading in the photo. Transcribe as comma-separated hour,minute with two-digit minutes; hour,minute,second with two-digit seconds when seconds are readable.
12,26
